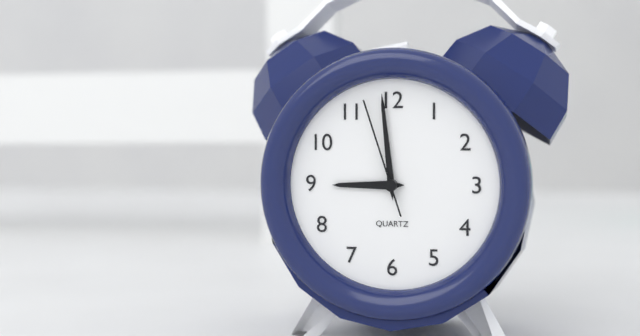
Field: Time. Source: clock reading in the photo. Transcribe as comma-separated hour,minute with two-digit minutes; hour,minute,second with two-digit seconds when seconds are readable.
8,59,57
